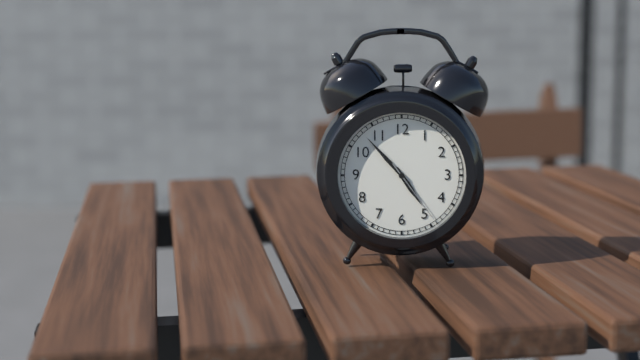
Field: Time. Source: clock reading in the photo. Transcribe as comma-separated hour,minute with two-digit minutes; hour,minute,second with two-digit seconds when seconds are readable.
4,53,24
